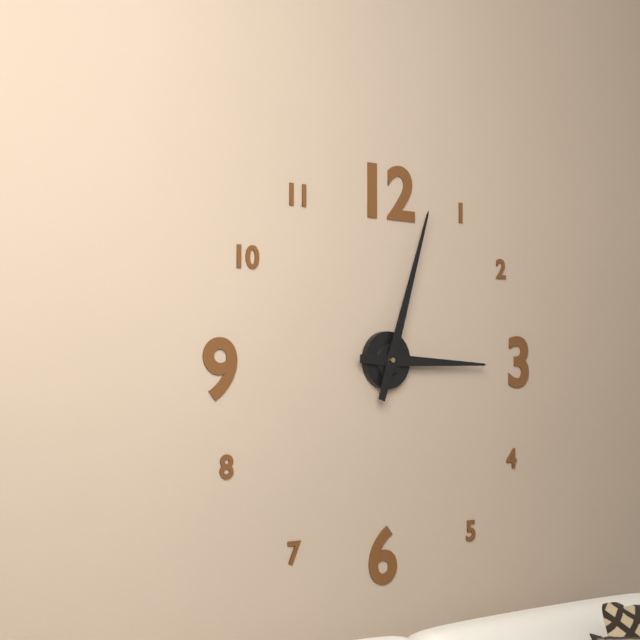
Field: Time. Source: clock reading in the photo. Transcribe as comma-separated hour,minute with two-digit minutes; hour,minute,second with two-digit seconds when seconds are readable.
3,03
